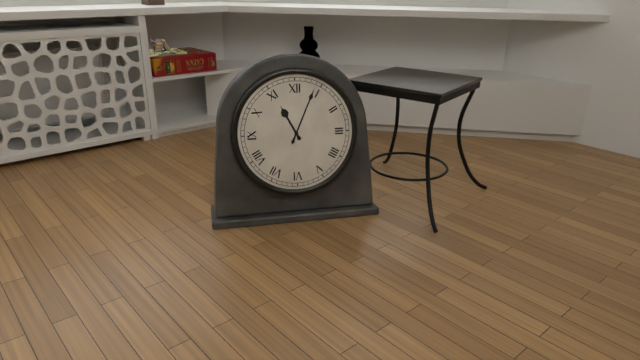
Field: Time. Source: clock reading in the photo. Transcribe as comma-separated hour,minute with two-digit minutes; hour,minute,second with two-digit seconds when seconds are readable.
11,04
